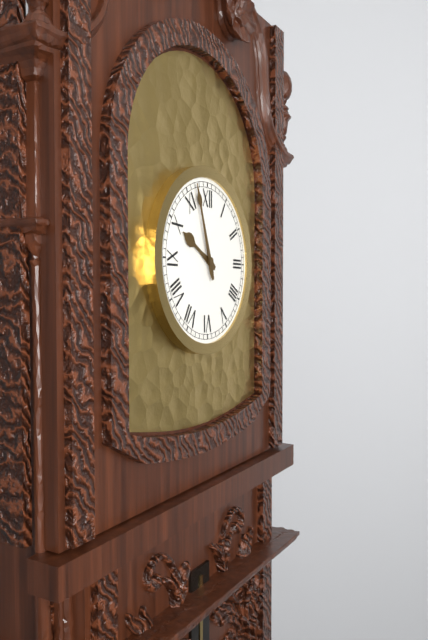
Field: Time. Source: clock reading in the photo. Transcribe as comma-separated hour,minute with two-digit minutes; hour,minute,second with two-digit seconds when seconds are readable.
9,57
